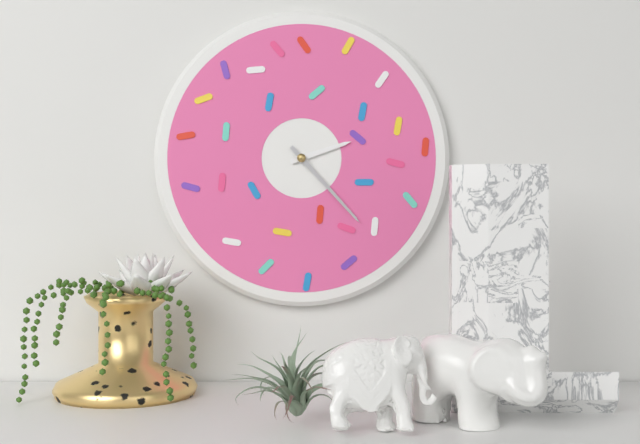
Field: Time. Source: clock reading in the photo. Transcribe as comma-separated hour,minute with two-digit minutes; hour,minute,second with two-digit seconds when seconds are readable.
2,23
